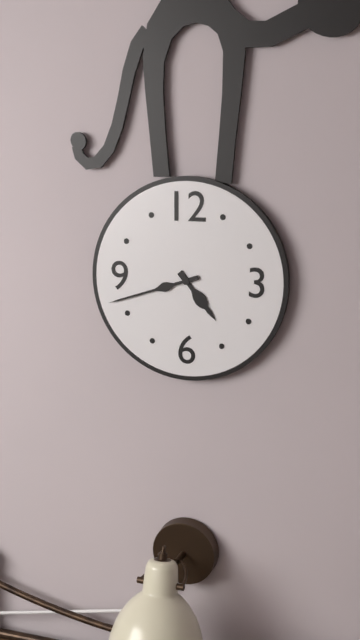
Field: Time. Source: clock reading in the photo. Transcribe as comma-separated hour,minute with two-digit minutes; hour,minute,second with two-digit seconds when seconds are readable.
4,42
